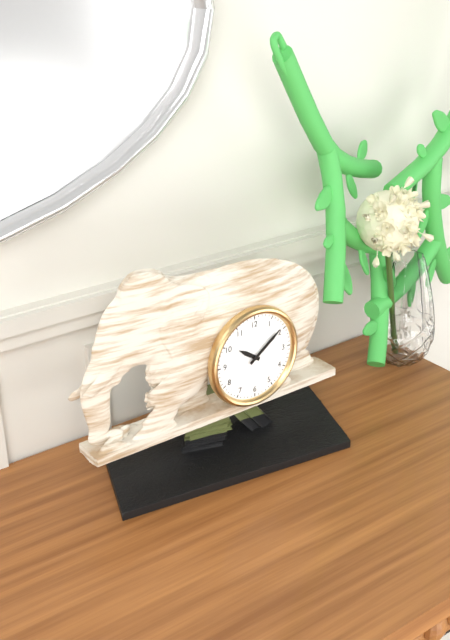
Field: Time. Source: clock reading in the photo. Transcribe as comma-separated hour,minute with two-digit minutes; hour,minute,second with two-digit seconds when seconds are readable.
10,09
